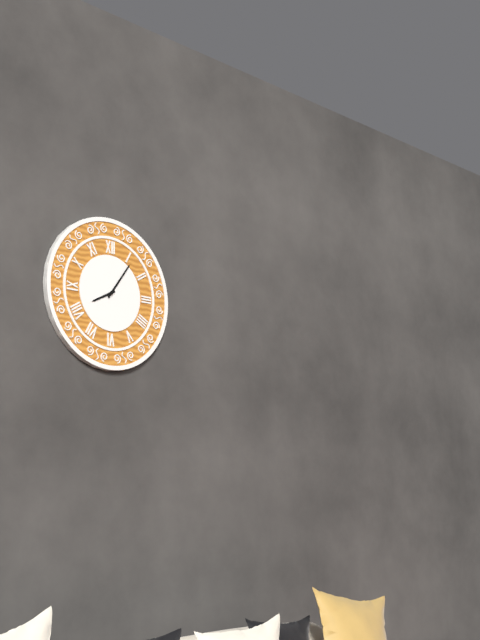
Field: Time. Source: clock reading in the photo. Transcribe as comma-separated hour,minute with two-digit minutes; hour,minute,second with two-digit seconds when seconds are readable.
8,06
